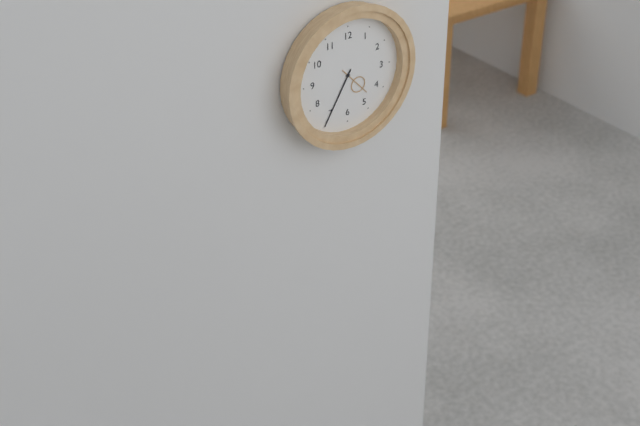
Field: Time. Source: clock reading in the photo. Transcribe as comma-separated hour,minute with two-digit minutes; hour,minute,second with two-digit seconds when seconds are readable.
4,35
